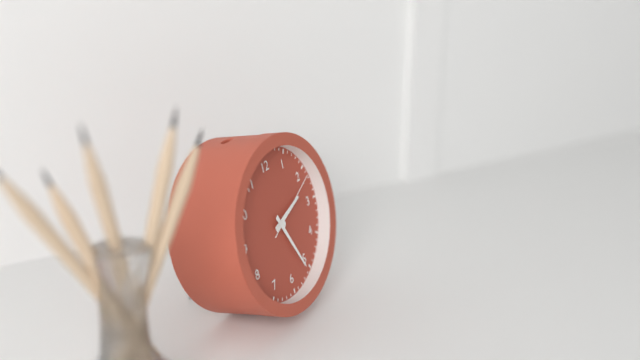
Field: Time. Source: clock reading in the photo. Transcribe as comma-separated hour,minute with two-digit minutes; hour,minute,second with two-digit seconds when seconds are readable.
2,26,11
